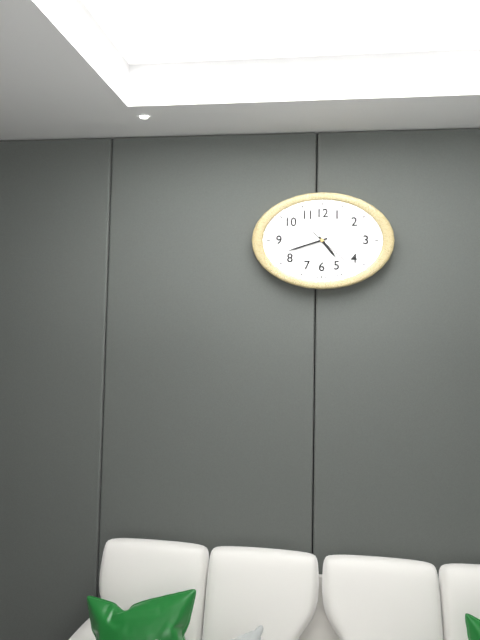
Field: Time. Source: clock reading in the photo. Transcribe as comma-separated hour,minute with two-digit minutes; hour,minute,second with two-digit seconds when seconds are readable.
4,42
